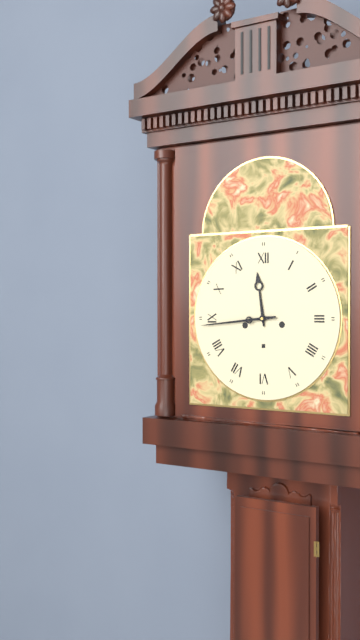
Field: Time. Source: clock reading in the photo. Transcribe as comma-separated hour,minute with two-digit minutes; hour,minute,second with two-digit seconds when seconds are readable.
11,44
